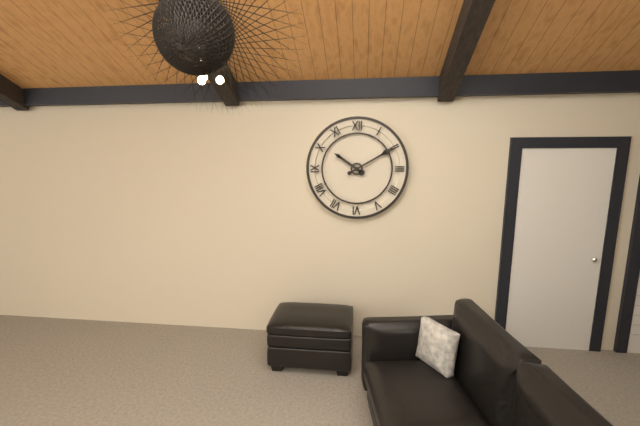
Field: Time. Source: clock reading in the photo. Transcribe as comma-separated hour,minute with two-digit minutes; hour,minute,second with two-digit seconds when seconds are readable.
10,10
